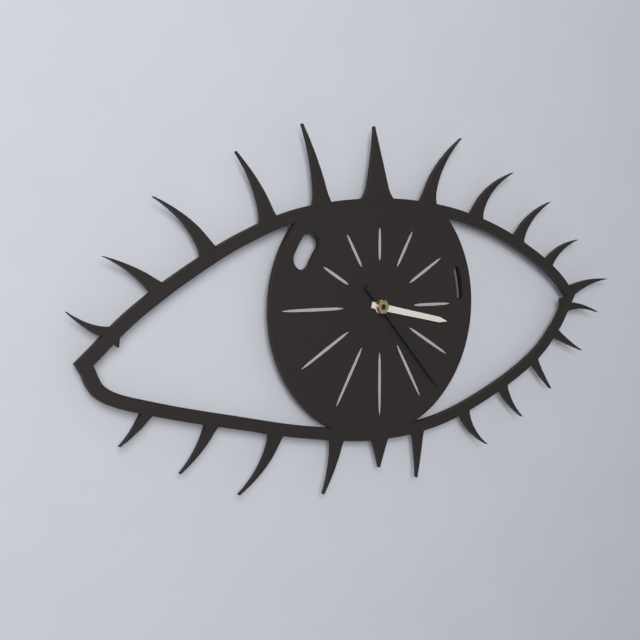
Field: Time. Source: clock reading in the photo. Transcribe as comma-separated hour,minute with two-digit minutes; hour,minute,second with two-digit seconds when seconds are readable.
3,23
